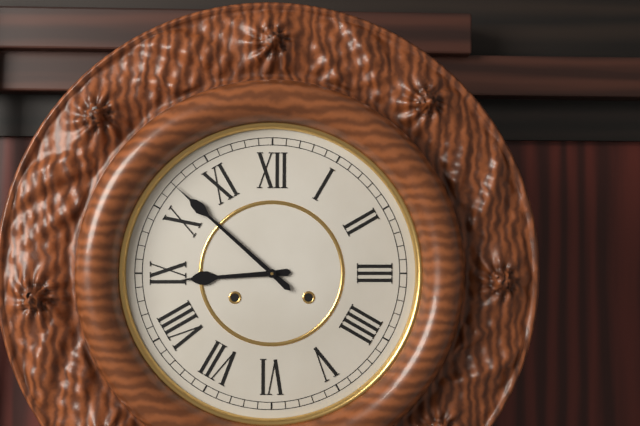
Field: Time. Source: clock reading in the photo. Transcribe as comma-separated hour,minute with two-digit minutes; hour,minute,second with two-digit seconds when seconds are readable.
8,52
